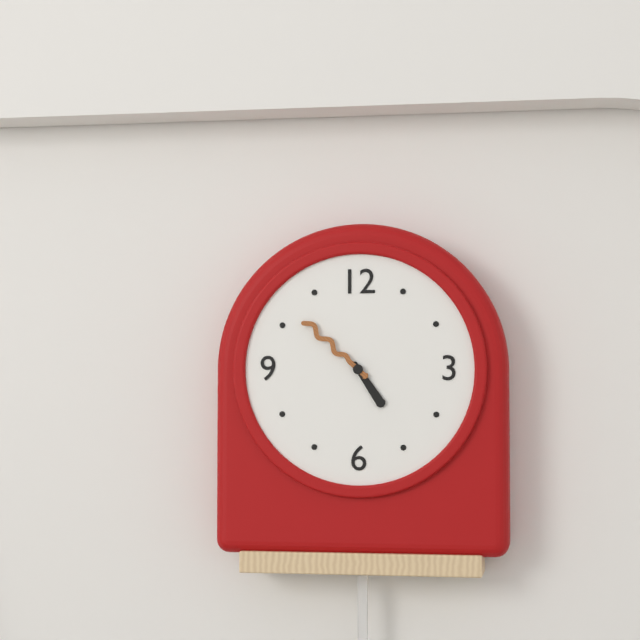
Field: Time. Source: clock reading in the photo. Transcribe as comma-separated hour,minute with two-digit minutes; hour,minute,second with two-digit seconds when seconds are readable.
4,52
